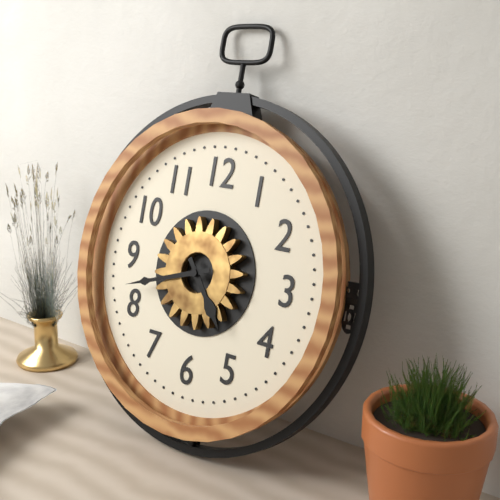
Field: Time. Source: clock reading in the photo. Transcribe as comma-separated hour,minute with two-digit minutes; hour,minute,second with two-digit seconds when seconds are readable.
4,42
